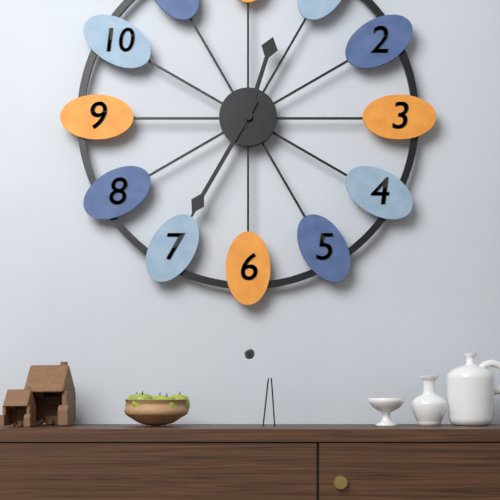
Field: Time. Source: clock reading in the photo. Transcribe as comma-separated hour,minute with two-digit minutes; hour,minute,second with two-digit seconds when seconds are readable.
12,35
